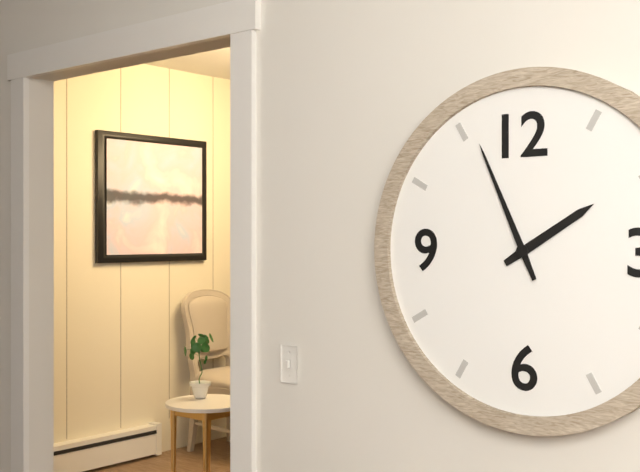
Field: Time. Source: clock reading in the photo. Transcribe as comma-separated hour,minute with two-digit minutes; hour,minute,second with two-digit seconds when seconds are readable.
1,56
